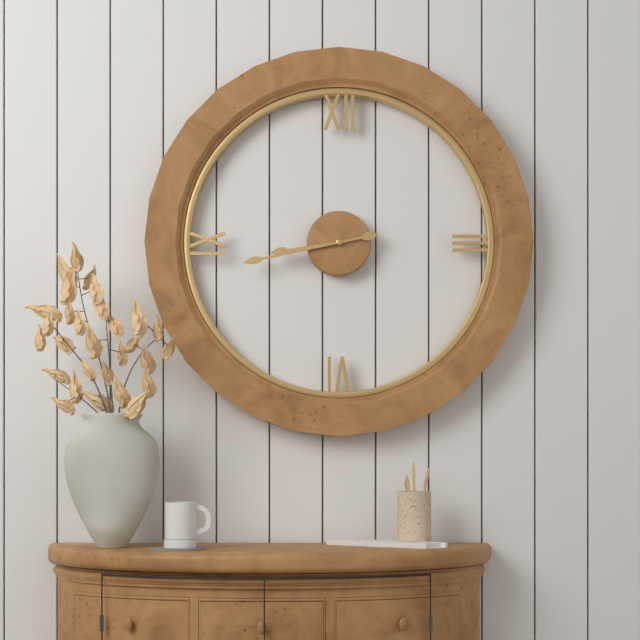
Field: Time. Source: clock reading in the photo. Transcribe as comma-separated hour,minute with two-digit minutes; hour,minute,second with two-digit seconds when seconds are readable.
8,43
